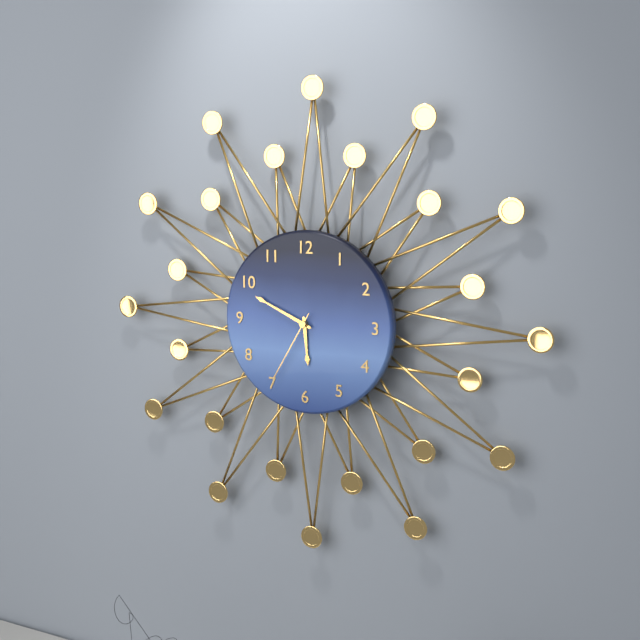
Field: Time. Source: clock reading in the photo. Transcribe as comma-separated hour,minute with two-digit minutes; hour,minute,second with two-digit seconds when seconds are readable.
5,49,35
